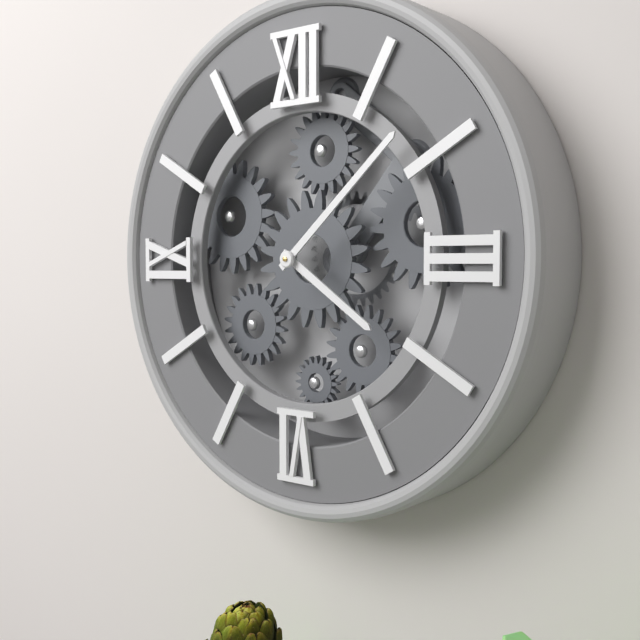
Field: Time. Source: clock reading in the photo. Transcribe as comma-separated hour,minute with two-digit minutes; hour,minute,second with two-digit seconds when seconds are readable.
4,08
